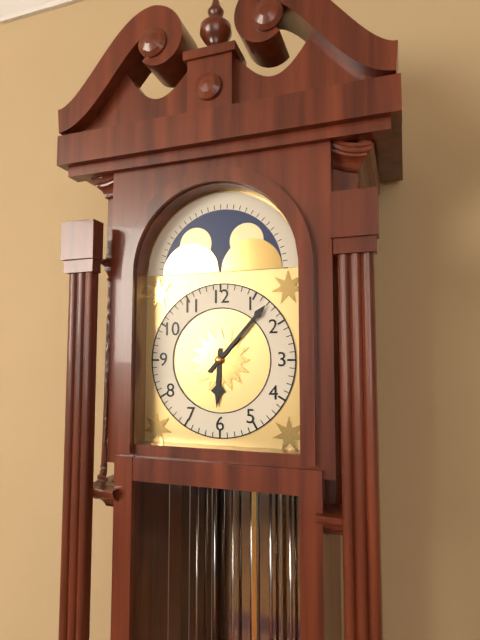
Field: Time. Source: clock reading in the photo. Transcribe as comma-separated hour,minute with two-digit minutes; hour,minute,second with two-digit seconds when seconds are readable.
6,07
